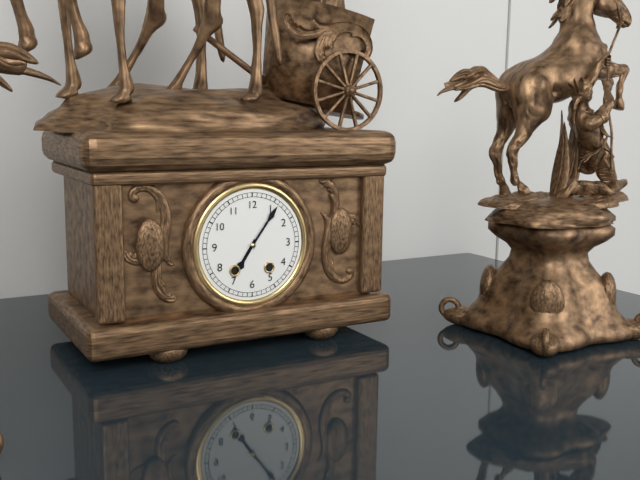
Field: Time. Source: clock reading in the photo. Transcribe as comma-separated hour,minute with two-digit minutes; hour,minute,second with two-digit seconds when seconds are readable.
7,06
